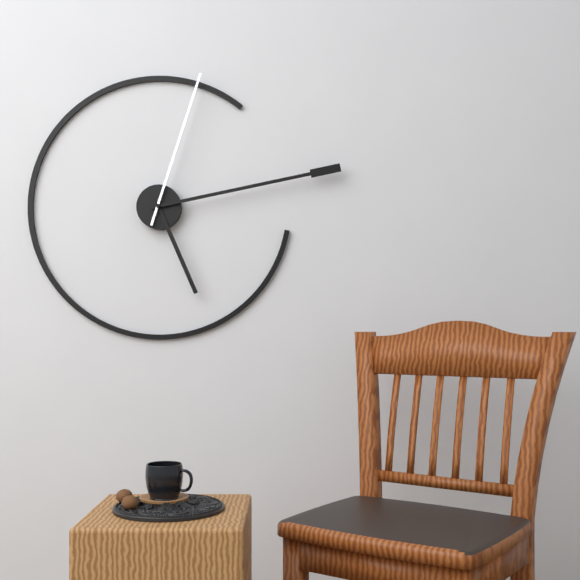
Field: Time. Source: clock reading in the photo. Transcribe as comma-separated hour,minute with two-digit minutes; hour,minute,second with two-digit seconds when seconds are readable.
5,13,03
